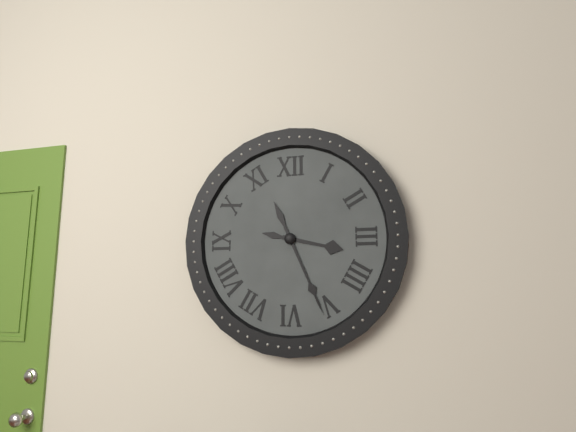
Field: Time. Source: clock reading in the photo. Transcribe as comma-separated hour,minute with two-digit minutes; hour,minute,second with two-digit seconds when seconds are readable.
3,26
